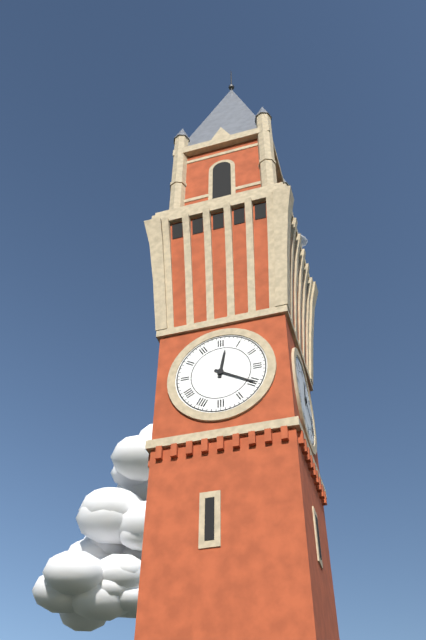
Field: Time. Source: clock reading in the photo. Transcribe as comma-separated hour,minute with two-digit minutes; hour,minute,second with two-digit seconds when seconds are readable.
12,20
